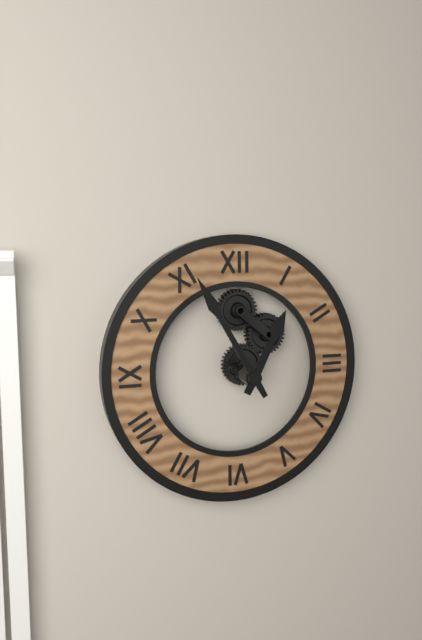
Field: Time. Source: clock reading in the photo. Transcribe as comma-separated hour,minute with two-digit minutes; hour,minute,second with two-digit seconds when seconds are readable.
12,55
